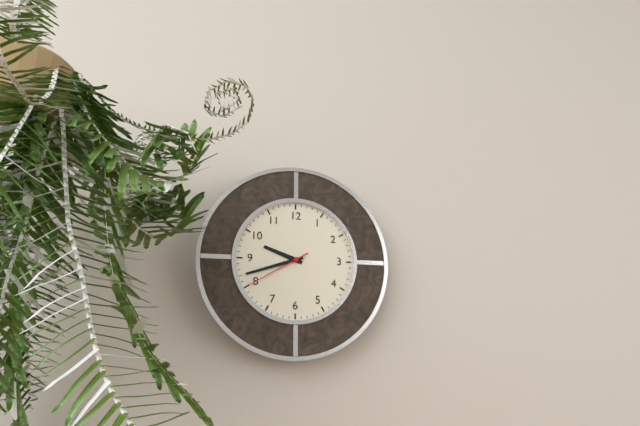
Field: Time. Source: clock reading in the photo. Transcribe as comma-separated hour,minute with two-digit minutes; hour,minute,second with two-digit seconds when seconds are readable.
9,42,40
